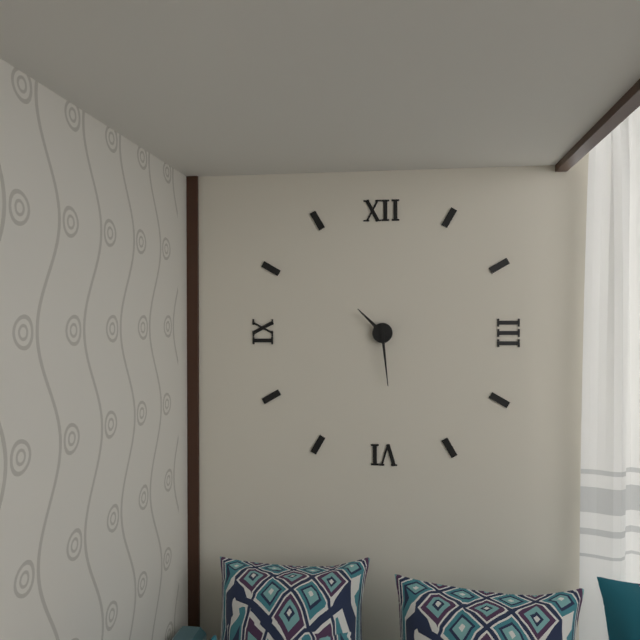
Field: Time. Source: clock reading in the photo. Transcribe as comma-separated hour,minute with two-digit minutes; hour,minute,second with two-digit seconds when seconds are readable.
10,29
